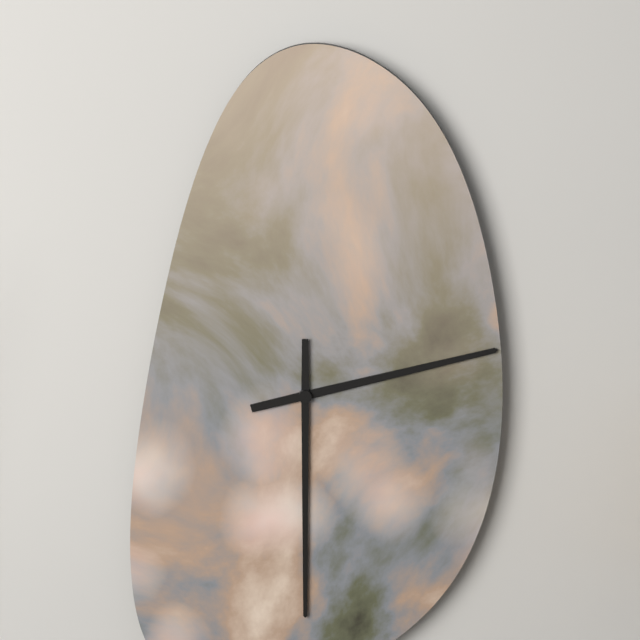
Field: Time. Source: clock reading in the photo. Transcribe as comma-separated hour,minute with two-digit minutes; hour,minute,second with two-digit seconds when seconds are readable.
2,30
